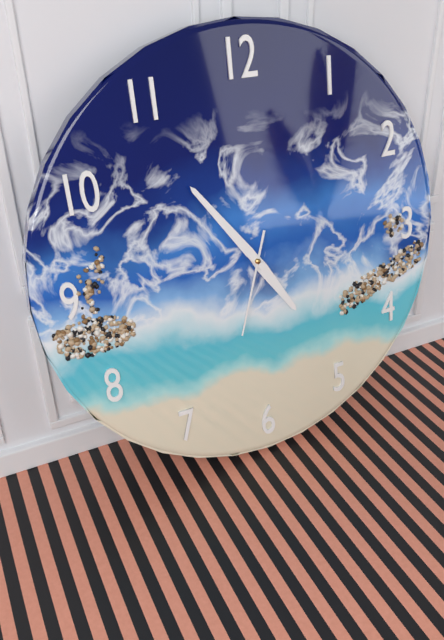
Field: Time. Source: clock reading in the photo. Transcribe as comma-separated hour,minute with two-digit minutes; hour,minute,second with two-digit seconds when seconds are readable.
4,54,33
